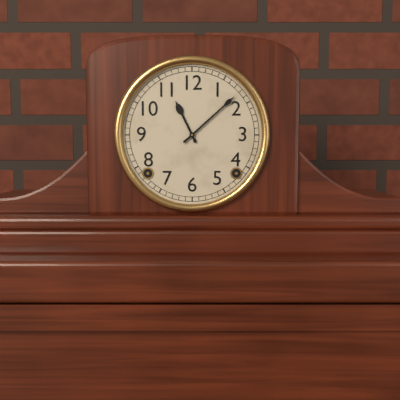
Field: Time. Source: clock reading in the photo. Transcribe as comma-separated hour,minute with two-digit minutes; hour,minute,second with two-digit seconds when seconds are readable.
11,08
